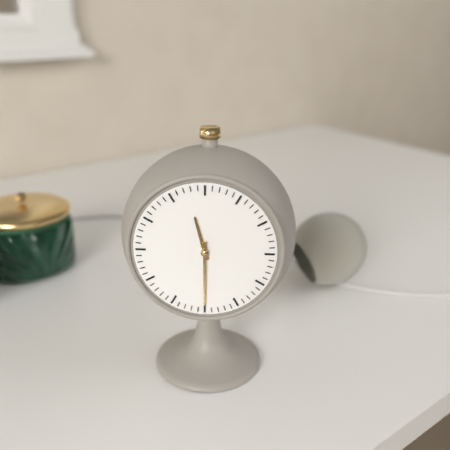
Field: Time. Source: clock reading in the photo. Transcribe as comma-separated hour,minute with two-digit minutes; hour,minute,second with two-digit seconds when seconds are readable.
11,30
